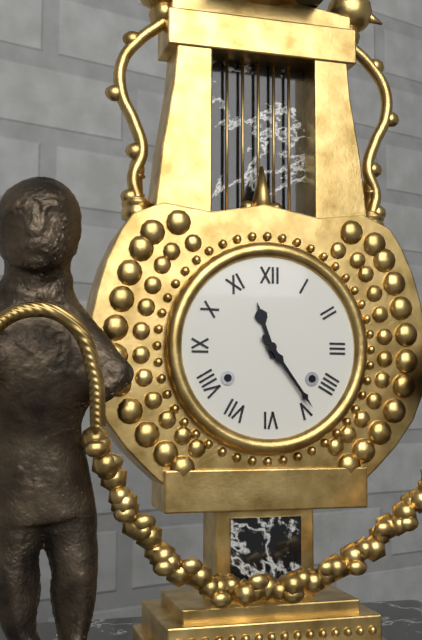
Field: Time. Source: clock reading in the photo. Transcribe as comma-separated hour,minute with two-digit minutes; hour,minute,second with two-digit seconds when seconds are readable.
11,24
